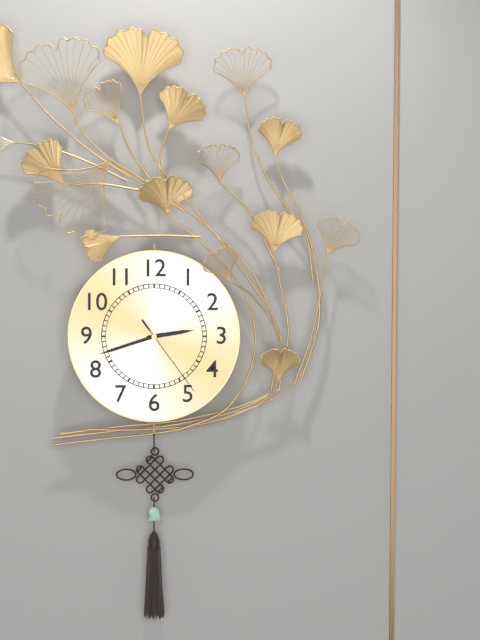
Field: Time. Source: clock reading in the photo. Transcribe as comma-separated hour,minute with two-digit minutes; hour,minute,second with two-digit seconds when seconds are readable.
2,42,24
